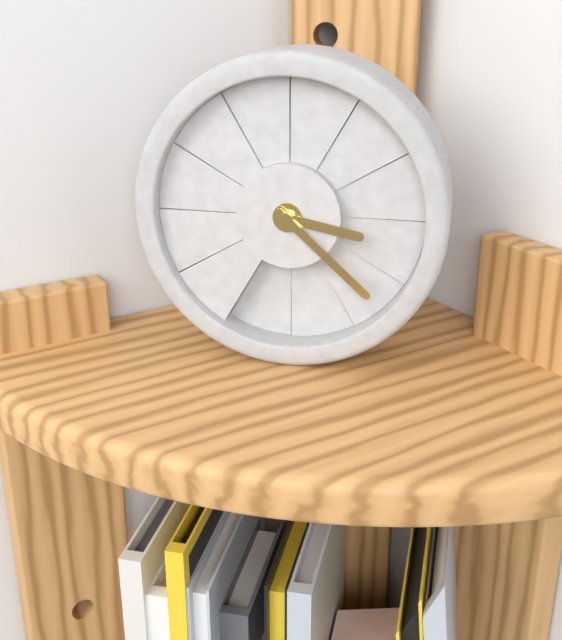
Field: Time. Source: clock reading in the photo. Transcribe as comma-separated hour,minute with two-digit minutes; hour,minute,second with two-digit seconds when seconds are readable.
3,22
